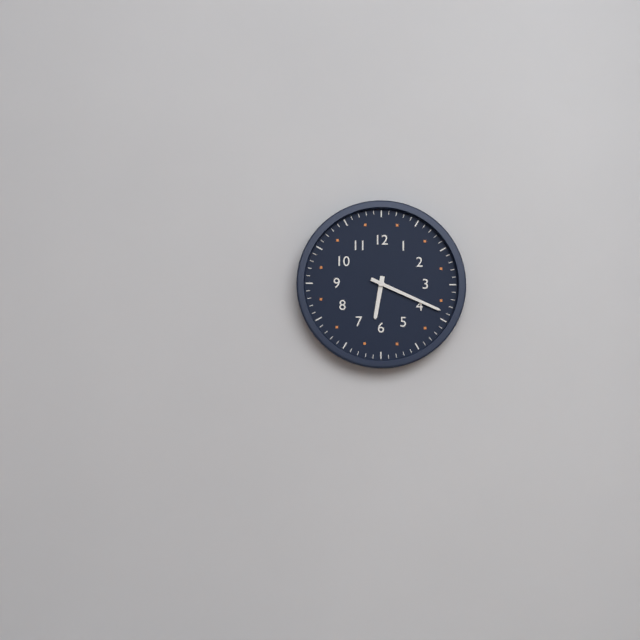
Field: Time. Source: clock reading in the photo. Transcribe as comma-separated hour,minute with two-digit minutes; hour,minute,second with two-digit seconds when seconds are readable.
6,19
